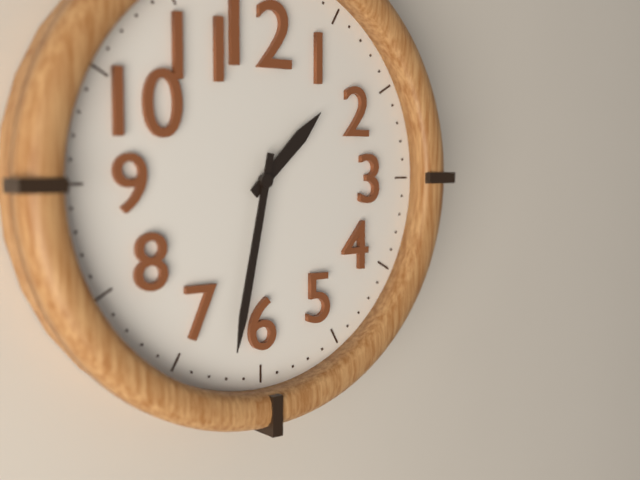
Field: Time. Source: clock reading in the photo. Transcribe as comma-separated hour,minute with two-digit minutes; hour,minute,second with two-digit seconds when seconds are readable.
1,32
